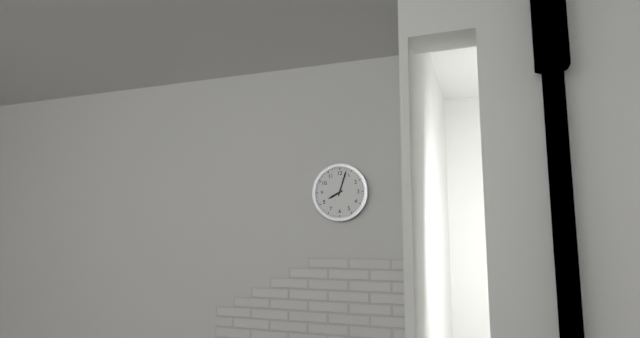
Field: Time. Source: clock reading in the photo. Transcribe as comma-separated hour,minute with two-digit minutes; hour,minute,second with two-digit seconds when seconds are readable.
8,03
